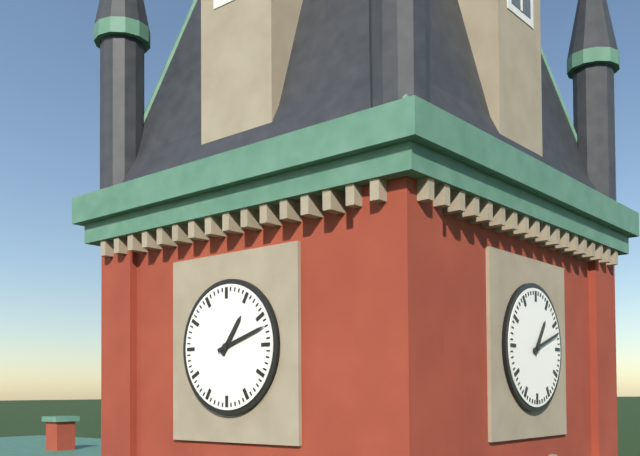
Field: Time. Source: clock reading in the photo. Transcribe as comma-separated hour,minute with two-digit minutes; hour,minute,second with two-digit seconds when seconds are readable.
1,12
